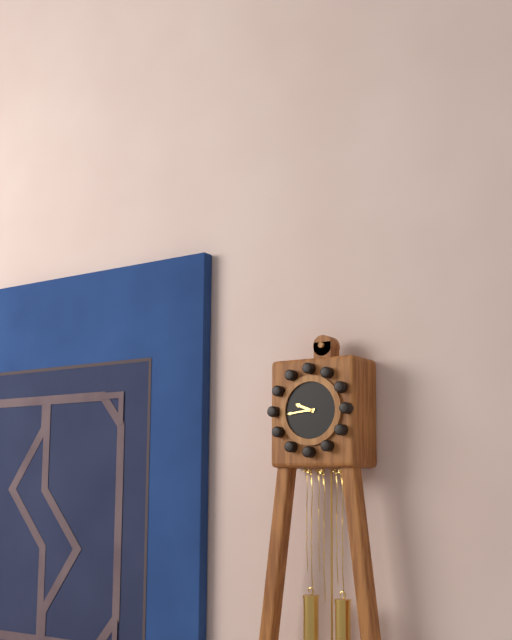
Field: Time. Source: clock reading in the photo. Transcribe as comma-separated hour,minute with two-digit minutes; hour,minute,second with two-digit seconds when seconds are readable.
9,44
